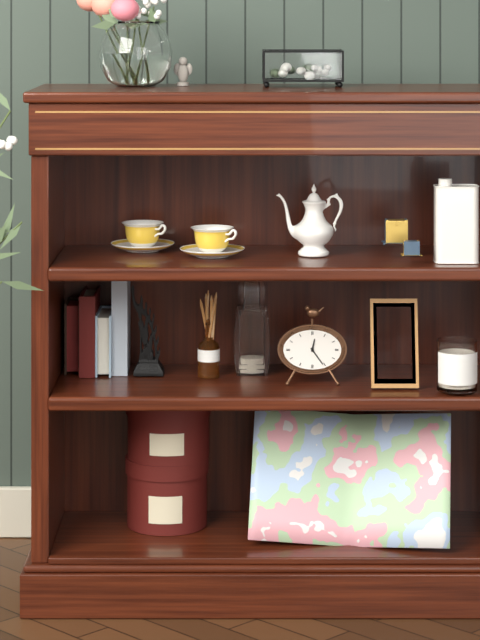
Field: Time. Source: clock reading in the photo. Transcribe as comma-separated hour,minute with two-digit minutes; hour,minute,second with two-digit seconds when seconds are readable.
12,24
